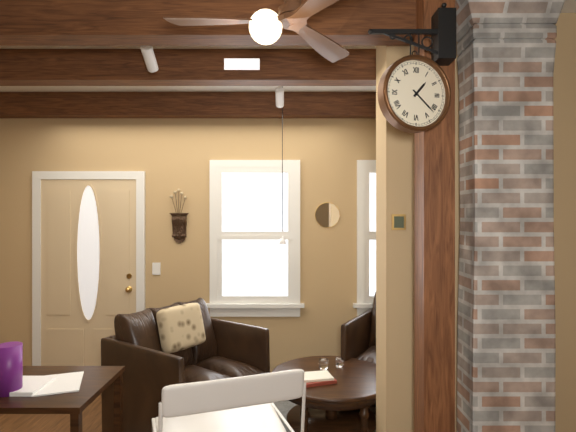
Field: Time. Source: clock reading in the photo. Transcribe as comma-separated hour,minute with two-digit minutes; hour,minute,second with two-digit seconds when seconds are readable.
1,22
